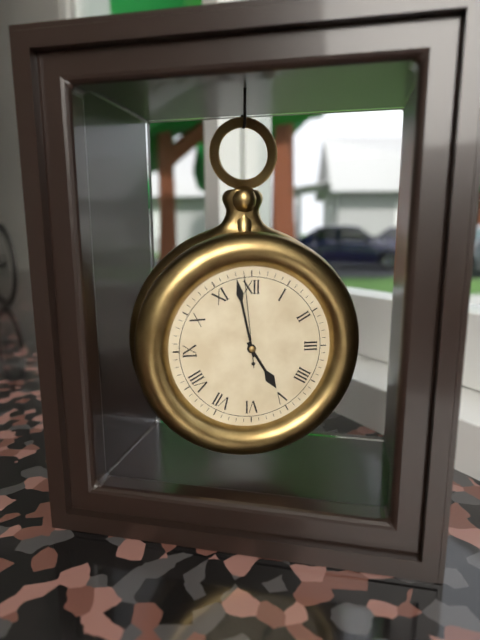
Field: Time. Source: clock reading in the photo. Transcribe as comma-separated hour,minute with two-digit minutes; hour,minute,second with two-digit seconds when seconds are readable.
4,58,59
